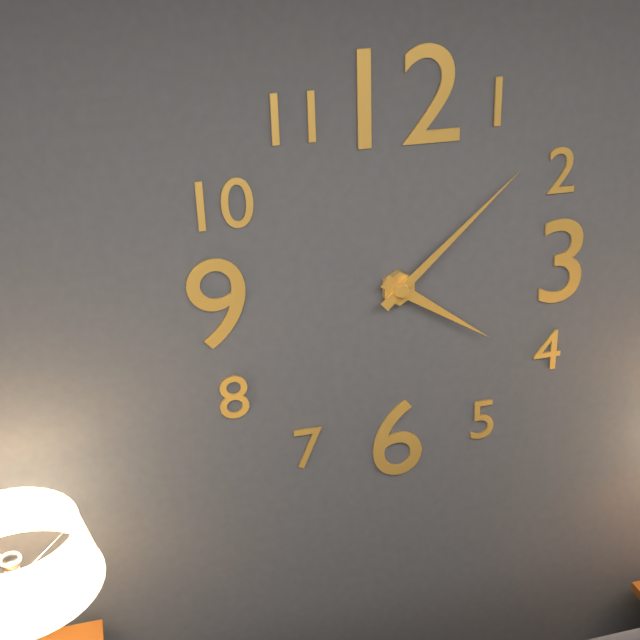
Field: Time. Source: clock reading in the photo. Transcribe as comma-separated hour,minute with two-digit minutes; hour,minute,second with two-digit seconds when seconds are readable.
4,08
